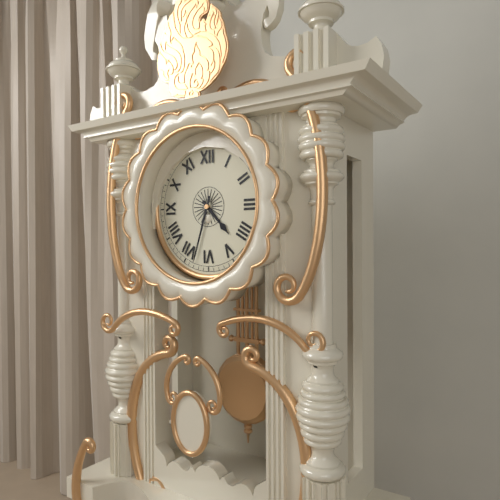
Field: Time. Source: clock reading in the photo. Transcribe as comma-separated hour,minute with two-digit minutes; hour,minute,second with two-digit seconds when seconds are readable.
4,33
